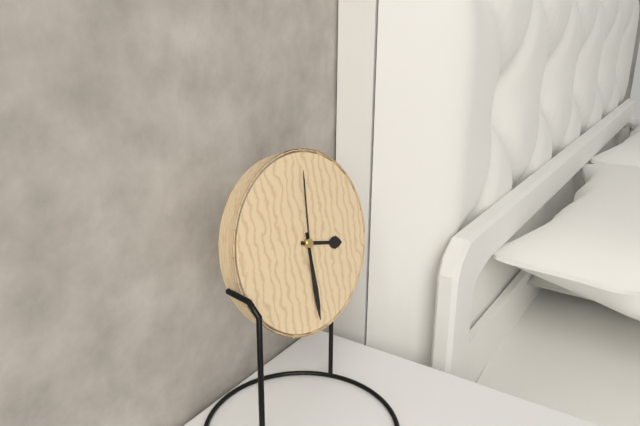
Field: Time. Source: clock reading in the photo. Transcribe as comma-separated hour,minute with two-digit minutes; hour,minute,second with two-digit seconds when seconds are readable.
3,30,01
